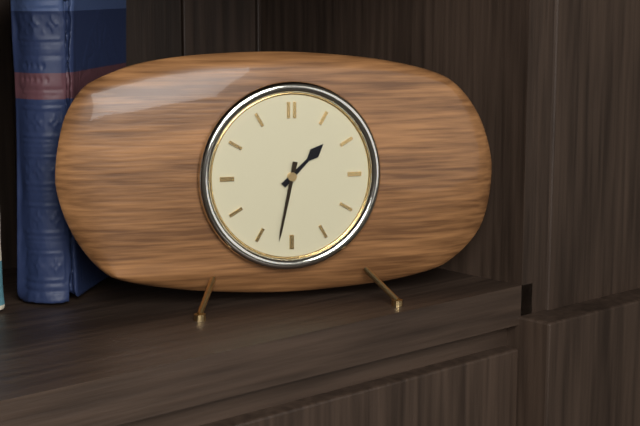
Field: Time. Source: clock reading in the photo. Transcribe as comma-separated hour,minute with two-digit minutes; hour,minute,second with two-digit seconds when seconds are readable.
1,32
